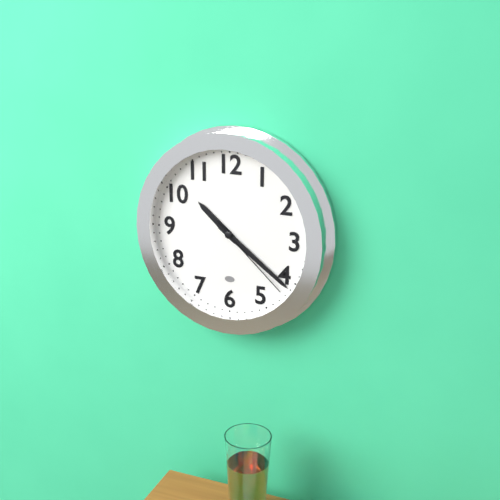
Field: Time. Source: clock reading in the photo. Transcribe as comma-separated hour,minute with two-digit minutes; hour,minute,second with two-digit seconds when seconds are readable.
10,21,22
